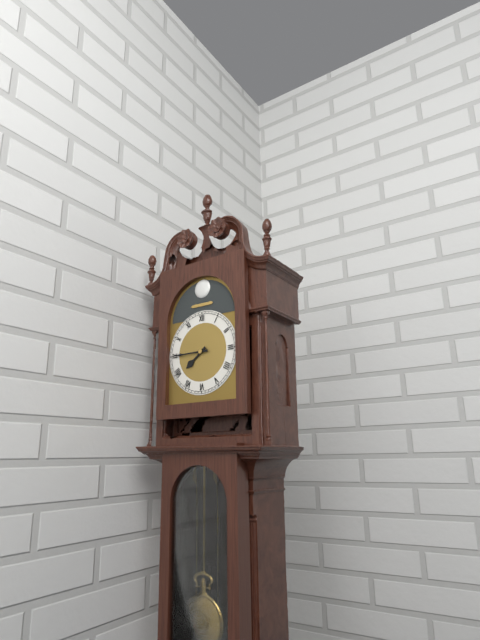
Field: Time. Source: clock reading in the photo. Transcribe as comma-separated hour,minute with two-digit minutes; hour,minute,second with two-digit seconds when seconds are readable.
7,45
